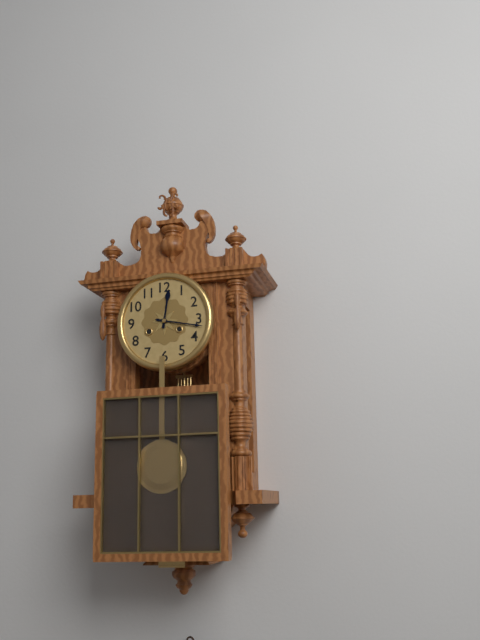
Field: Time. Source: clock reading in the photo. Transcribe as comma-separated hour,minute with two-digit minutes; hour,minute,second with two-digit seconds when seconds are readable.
12,17
